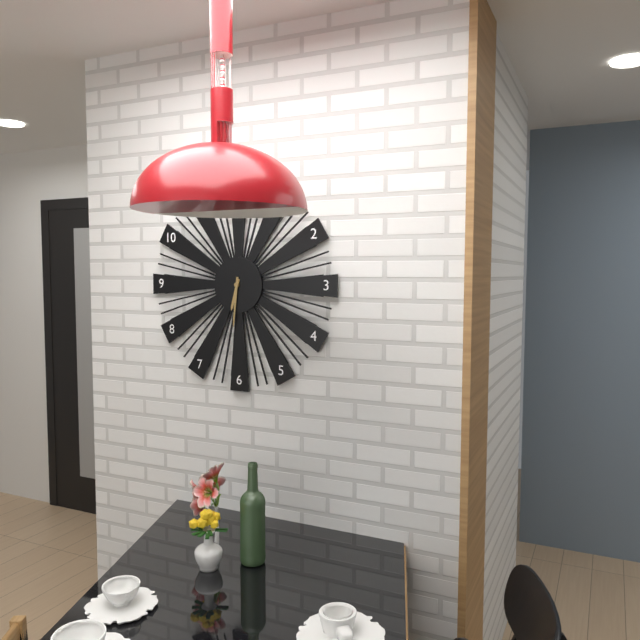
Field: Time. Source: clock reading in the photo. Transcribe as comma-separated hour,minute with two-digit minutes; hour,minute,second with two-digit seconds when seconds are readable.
6,31
